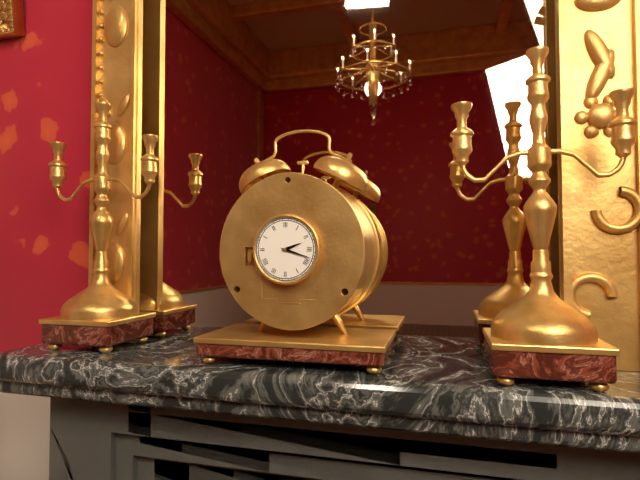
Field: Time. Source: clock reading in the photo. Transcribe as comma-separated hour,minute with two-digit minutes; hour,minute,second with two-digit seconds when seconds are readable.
2,18
